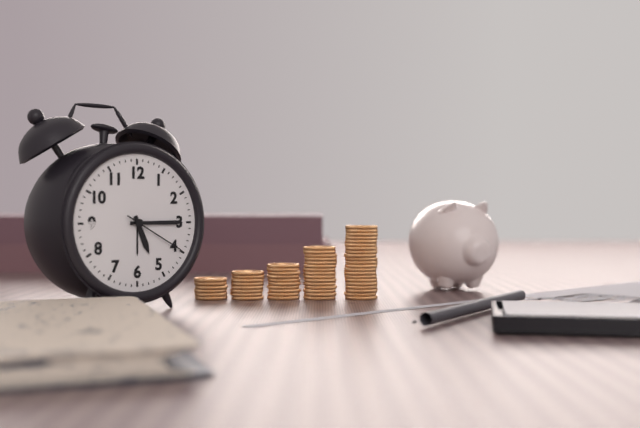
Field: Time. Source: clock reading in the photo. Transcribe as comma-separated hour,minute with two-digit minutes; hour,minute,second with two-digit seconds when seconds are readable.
5,15,20
